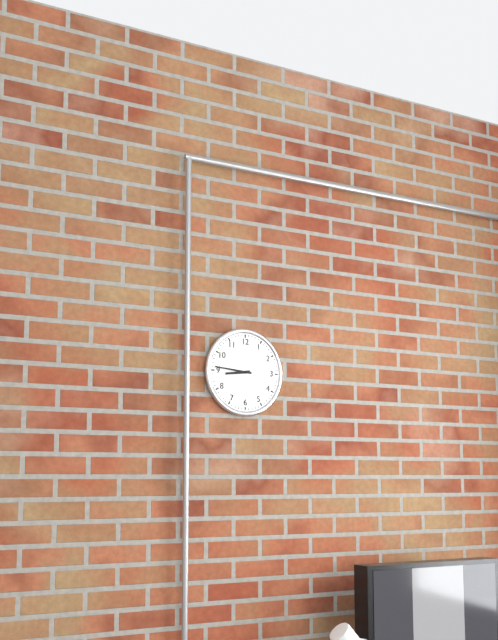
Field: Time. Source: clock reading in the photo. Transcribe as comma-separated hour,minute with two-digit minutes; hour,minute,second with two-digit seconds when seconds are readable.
8,46
